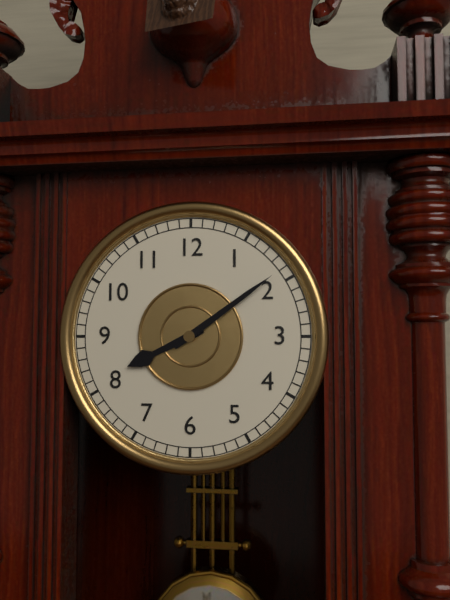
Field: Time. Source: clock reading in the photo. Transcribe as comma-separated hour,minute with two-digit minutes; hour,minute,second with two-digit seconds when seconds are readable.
8,09
